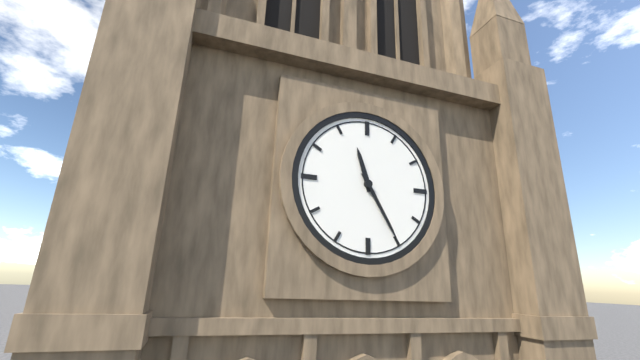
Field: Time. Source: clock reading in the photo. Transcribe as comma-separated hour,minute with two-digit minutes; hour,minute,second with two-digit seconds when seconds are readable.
11,25
